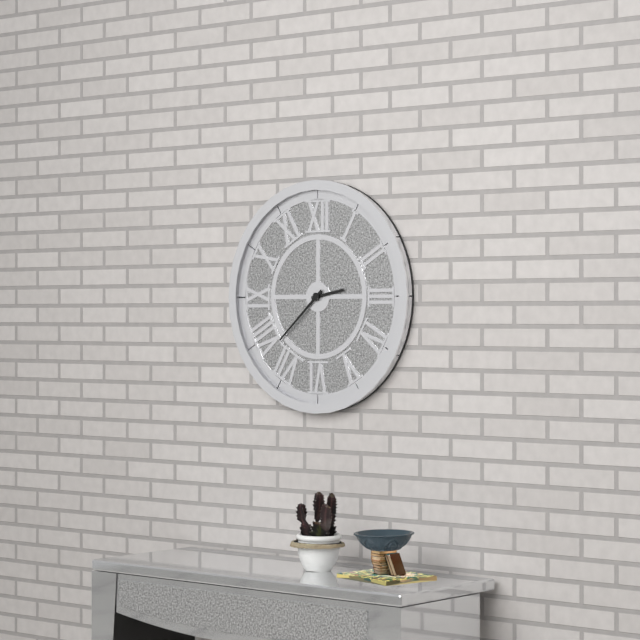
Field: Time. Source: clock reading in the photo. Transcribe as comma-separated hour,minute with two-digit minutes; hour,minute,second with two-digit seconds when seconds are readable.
2,38
